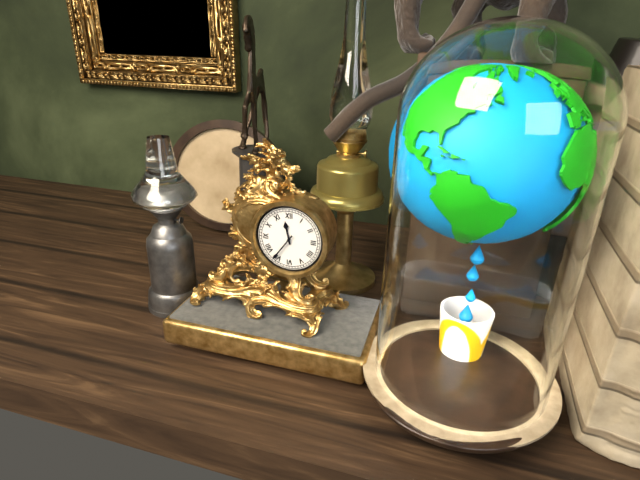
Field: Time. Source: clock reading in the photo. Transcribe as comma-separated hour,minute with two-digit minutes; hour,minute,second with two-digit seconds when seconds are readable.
11,36
